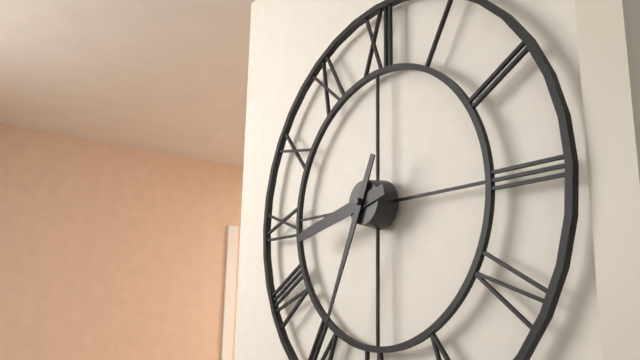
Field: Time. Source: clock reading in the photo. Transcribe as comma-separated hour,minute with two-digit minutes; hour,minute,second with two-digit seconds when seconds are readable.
8,34
